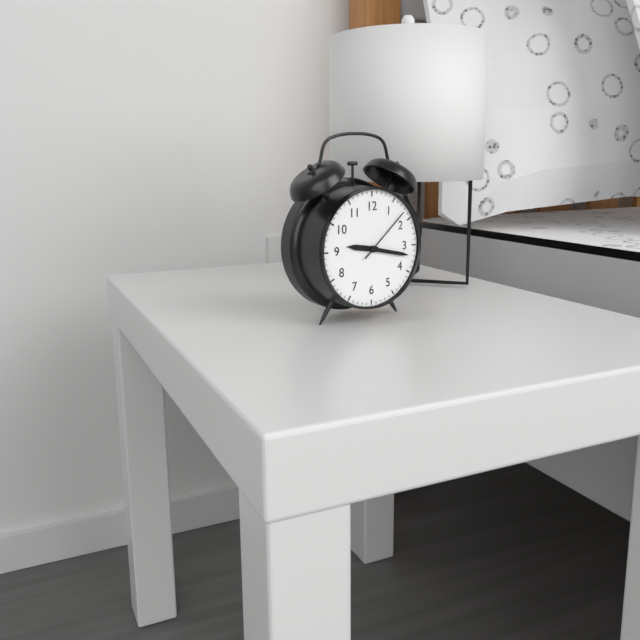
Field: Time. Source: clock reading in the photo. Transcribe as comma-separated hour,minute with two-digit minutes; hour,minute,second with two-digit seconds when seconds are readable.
9,17,08
